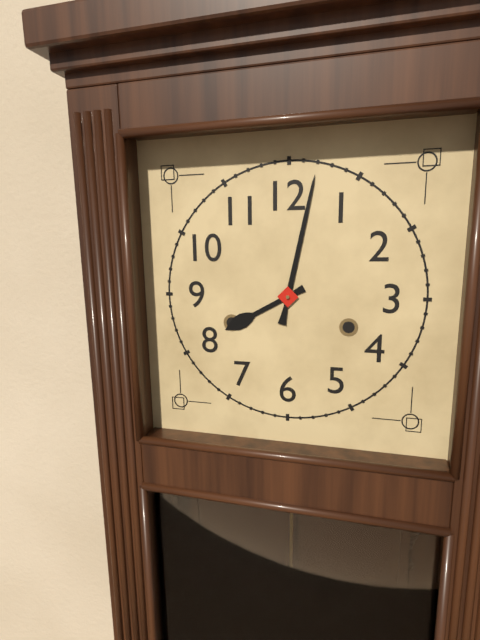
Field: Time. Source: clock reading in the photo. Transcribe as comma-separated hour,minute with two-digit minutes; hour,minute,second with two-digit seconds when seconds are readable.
8,02
